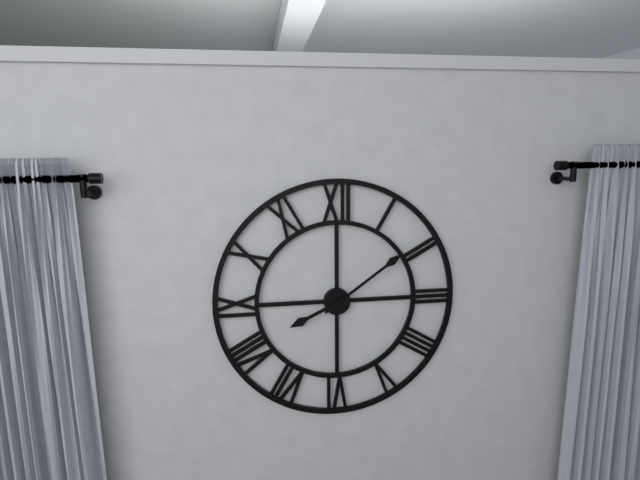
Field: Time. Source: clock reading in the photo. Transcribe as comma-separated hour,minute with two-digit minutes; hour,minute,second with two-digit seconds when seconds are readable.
8,09
